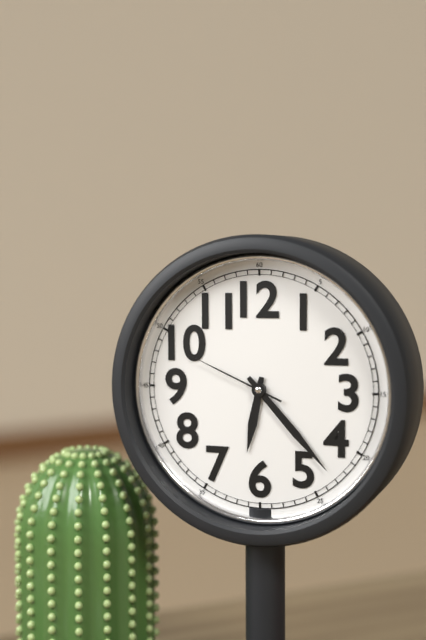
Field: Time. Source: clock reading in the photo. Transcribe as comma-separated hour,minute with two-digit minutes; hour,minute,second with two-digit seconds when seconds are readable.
6,23,49
